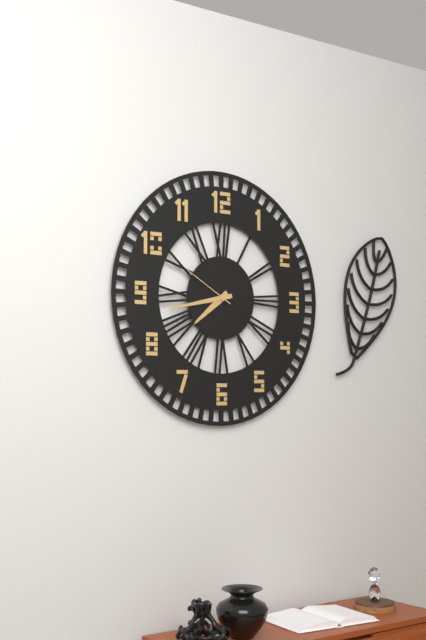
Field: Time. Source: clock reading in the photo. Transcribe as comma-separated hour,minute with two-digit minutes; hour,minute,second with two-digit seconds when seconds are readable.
7,43,50
